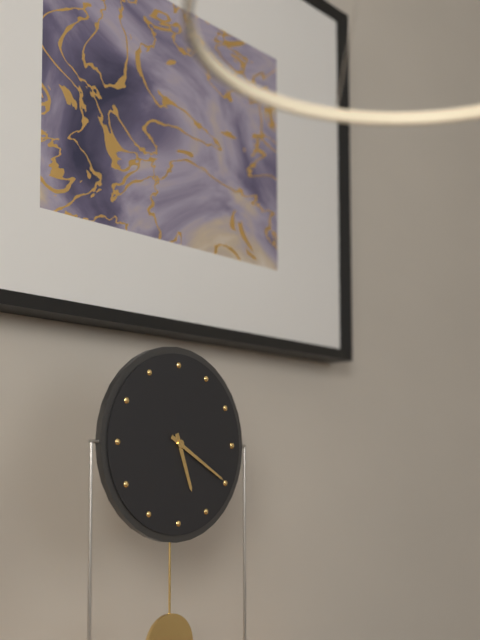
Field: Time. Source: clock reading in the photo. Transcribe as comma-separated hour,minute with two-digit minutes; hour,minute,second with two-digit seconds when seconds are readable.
5,20
